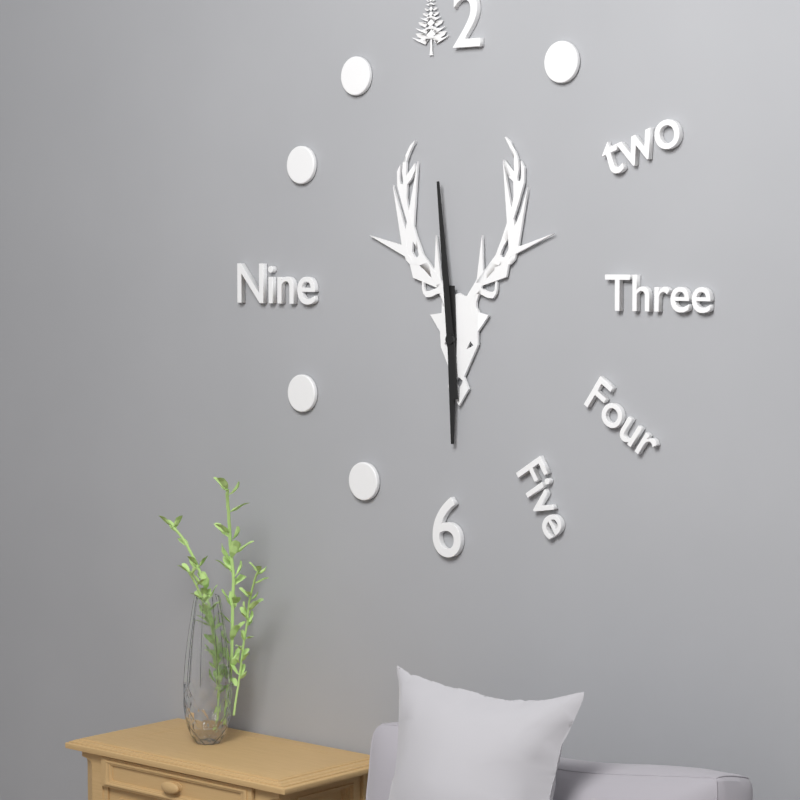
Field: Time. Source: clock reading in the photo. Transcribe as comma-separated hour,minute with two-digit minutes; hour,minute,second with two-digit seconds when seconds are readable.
5,59
